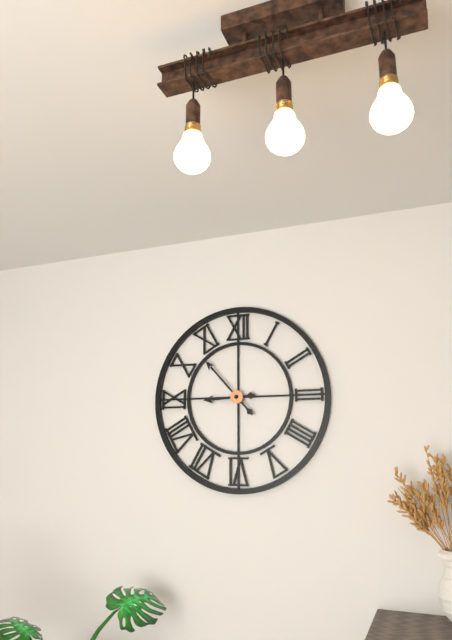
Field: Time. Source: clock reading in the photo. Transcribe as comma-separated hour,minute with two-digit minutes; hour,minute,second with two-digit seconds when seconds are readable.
8,53
